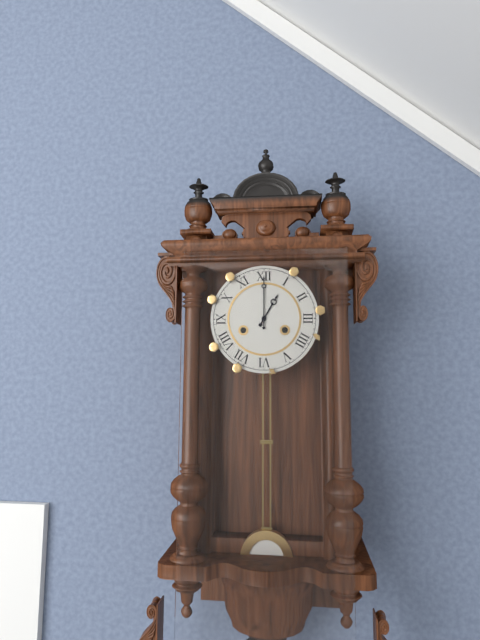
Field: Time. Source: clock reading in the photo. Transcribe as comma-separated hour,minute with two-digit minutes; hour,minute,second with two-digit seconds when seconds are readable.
1,00
